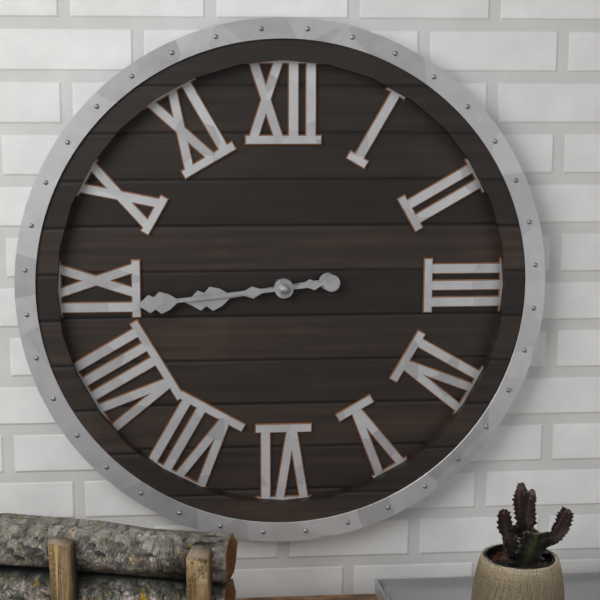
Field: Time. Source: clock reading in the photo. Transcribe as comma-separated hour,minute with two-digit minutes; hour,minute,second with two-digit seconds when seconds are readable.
8,44
